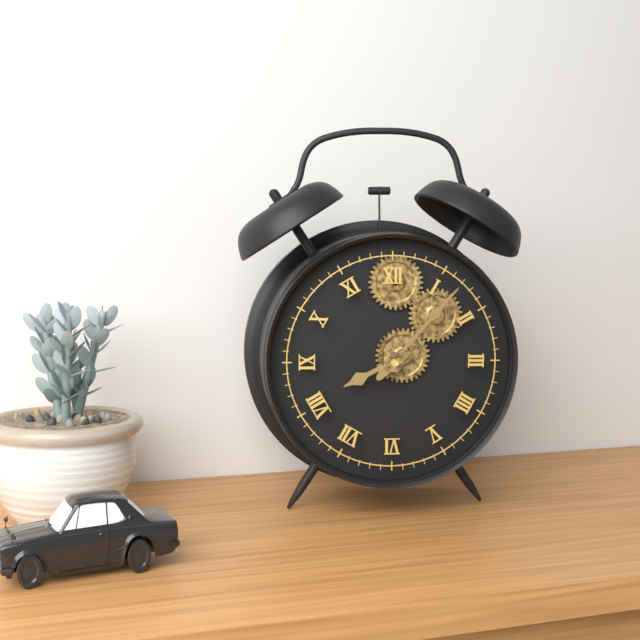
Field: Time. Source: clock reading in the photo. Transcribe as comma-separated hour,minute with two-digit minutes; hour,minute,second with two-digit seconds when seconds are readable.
8,07
